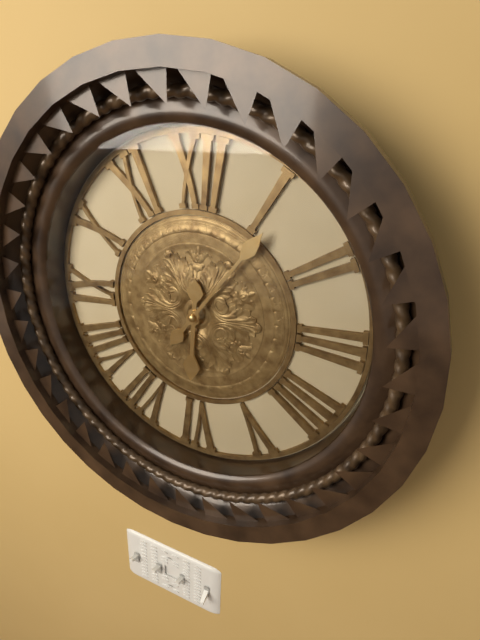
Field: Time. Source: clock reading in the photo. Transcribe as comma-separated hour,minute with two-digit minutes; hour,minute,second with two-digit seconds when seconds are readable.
6,06
